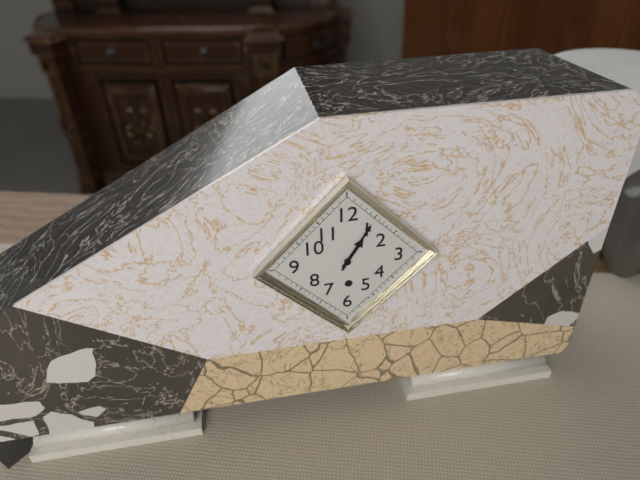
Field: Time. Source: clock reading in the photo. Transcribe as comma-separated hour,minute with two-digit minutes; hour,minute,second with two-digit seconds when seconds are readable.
1,05
